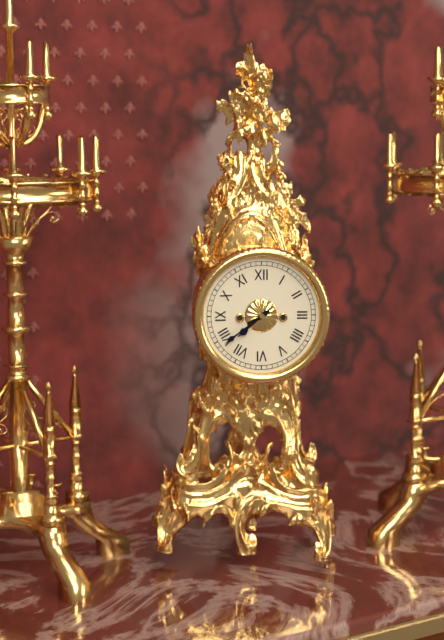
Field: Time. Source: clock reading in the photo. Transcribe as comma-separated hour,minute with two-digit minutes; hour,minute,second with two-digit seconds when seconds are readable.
7,39
